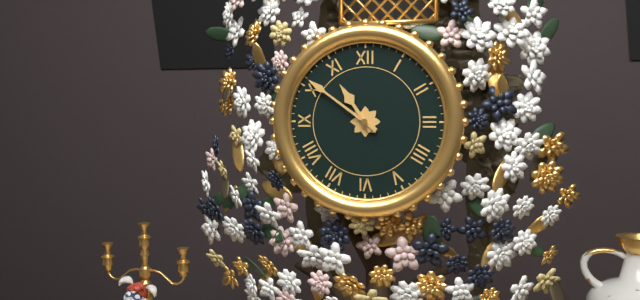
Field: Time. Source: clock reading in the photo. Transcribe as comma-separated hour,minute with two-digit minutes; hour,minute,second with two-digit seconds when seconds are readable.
10,51
